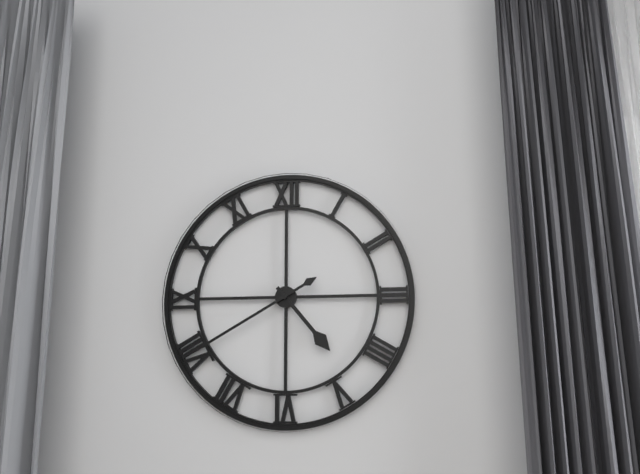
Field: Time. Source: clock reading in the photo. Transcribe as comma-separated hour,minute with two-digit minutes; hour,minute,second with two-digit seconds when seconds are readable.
4,40
